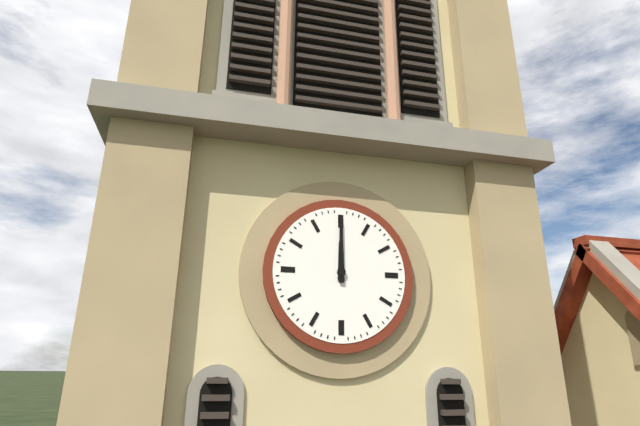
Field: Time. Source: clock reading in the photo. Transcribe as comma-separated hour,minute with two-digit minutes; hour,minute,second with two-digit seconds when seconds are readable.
12,00
